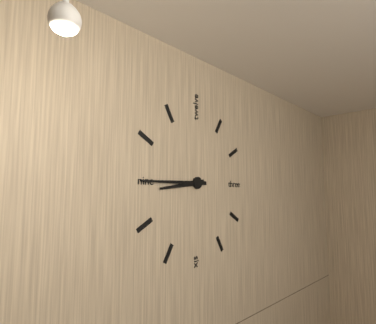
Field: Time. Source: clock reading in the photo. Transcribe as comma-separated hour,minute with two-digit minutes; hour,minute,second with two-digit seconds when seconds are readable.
8,45
